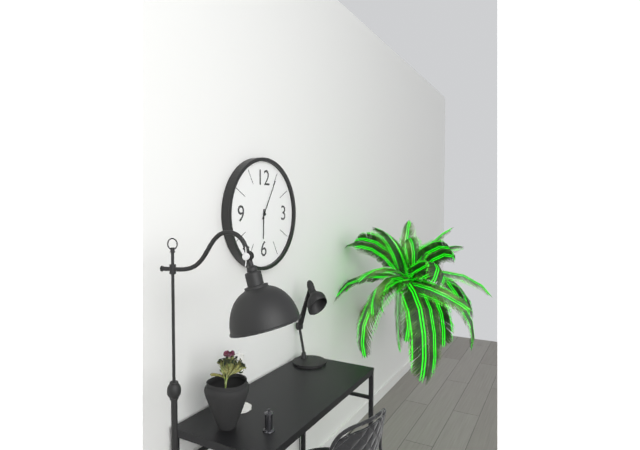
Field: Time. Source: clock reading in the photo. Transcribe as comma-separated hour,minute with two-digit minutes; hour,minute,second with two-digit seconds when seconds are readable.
6,05
